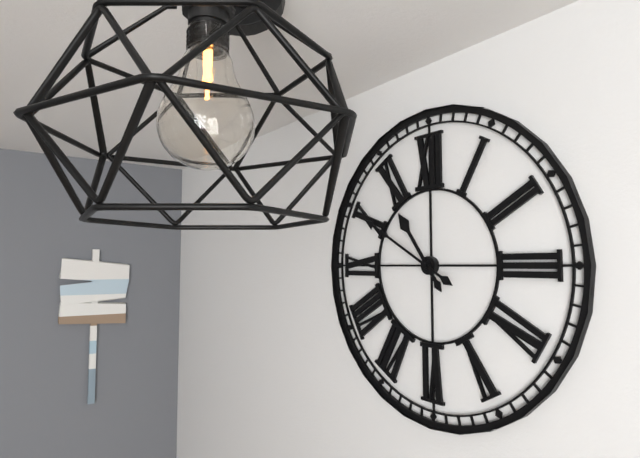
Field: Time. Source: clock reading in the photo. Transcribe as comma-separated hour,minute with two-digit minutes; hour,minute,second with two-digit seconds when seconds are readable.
10,50
